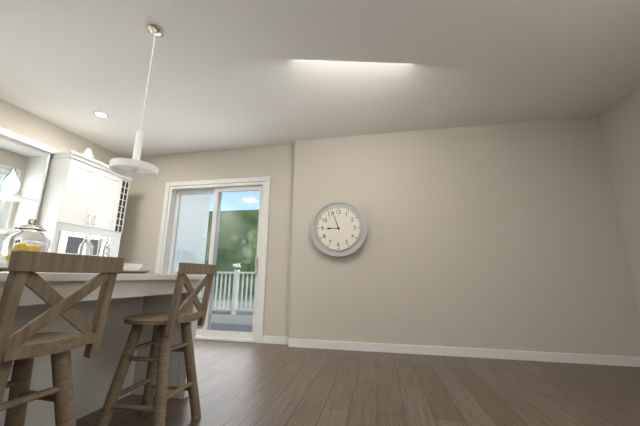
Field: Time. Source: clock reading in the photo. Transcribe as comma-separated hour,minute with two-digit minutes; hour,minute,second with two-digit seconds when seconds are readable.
8,57
